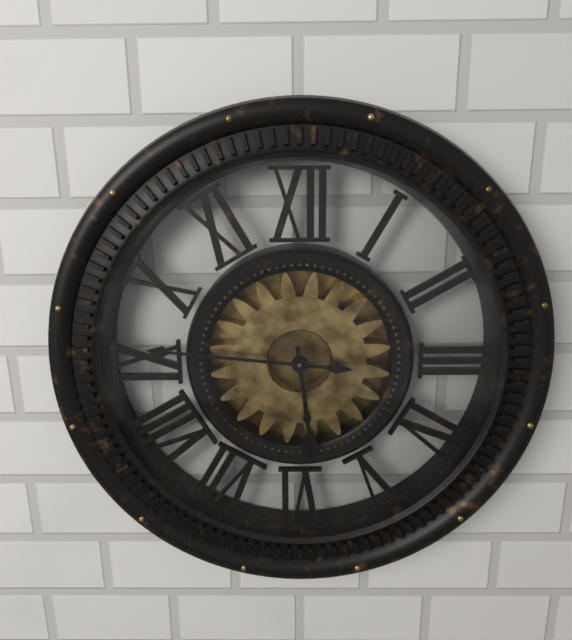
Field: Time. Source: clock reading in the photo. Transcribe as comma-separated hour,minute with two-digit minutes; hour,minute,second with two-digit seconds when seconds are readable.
5,46
